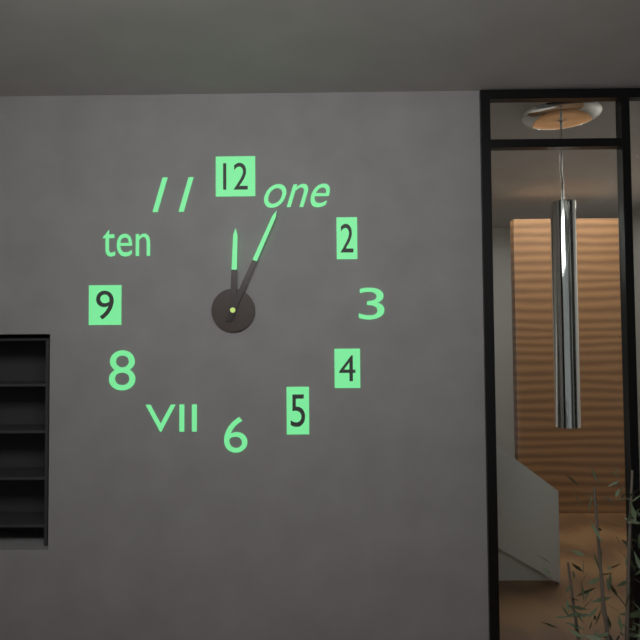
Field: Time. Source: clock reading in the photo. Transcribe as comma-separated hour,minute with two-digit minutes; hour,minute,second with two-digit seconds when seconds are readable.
12,04
